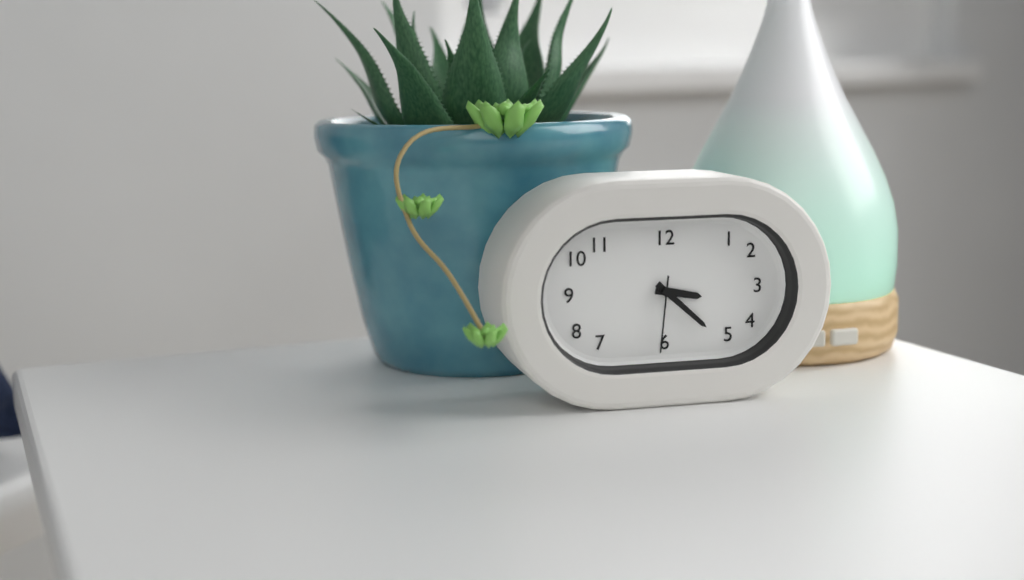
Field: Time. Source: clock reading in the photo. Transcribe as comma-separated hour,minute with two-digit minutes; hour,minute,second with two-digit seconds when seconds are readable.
3,22,31
